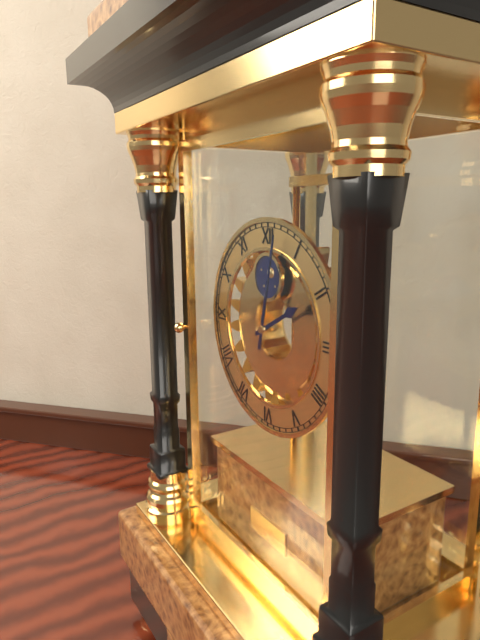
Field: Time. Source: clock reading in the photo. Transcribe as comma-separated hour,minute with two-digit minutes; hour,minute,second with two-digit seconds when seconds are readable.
2,02
